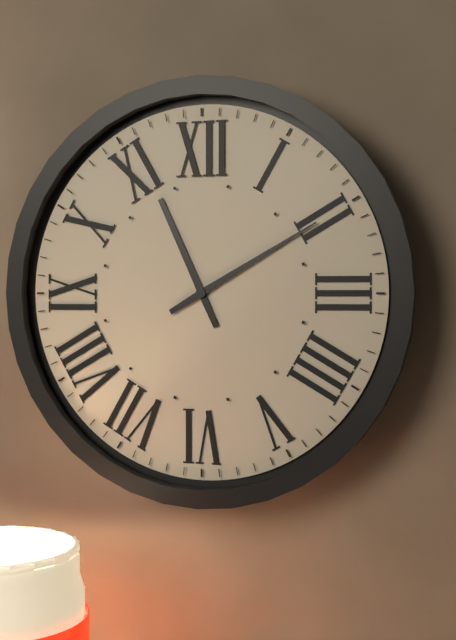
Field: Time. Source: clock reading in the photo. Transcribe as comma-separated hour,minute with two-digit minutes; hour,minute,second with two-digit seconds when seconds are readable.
11,10
